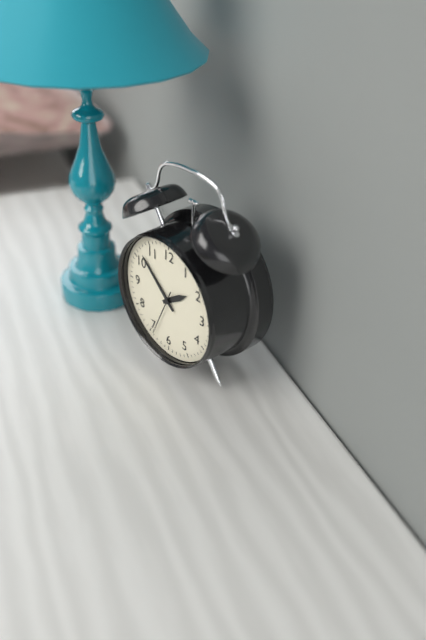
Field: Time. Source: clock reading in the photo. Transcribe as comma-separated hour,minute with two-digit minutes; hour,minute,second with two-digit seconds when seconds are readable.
1,52
